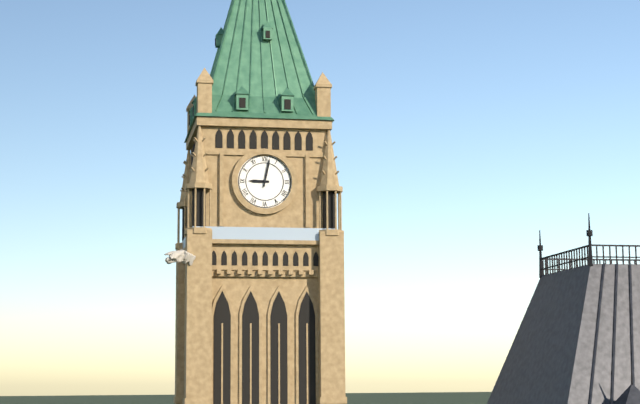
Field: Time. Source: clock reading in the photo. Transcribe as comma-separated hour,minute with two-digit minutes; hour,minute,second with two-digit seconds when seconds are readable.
9,02
